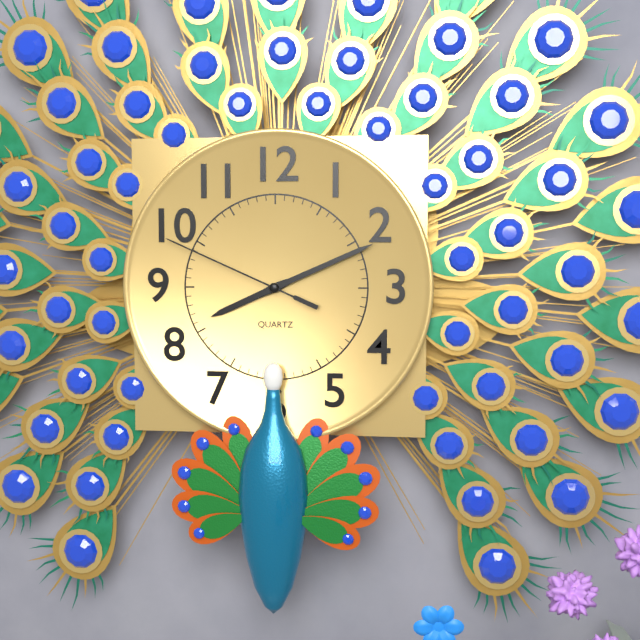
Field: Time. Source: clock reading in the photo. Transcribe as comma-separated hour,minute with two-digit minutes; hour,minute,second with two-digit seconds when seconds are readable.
8,11,49
